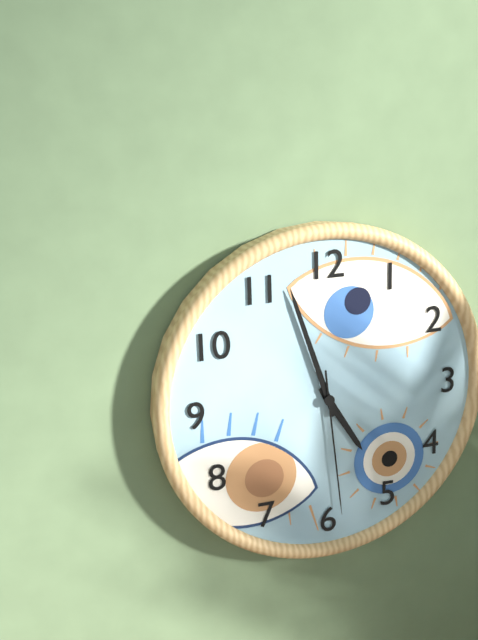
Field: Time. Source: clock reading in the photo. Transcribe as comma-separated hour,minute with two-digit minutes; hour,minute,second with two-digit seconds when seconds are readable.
4,57,29
